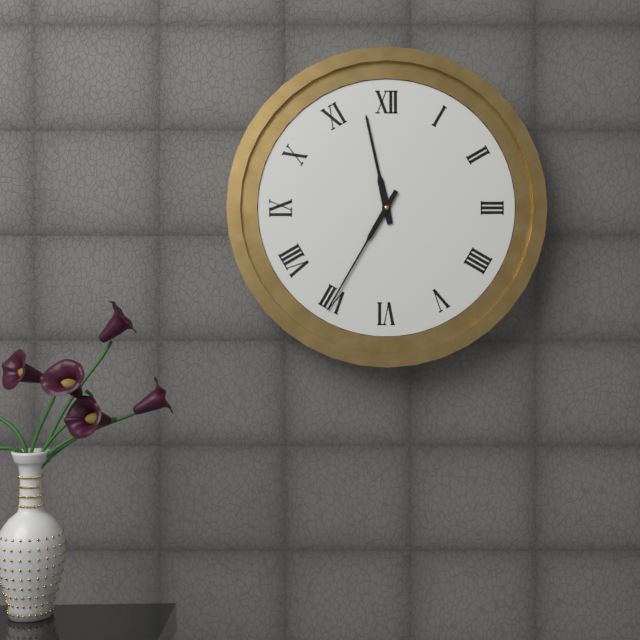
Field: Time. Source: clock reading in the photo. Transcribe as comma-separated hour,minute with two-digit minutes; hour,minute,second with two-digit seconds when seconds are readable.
11,35
